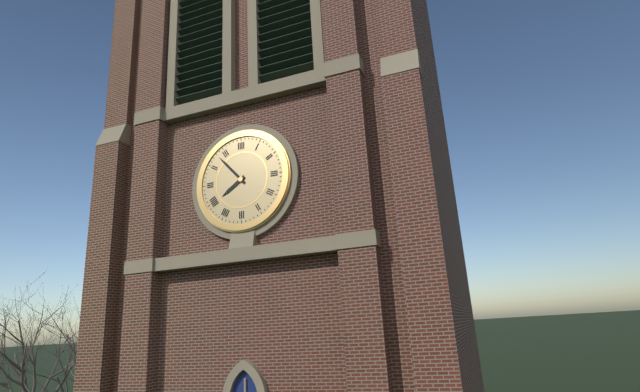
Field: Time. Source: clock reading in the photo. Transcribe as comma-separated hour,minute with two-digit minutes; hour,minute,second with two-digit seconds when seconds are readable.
7,53
